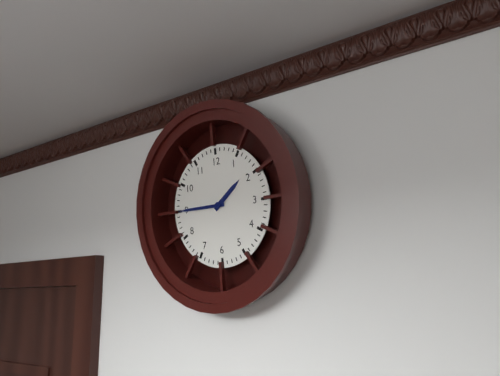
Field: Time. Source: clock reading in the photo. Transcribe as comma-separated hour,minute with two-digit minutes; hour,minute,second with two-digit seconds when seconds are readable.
1,45
